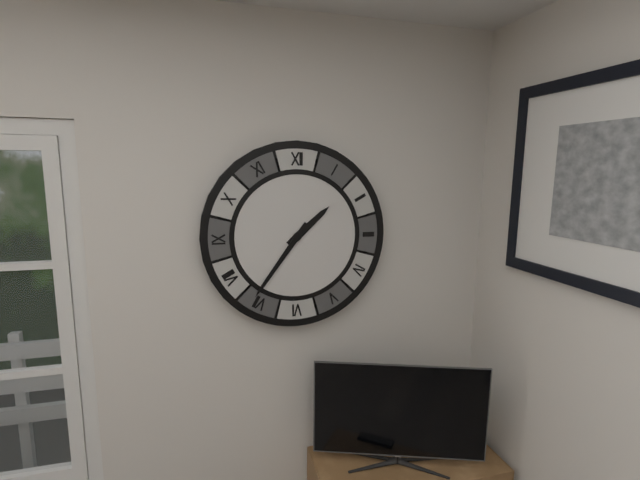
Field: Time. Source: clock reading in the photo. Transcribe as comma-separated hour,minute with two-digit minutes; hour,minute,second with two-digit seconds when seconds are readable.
1,36
